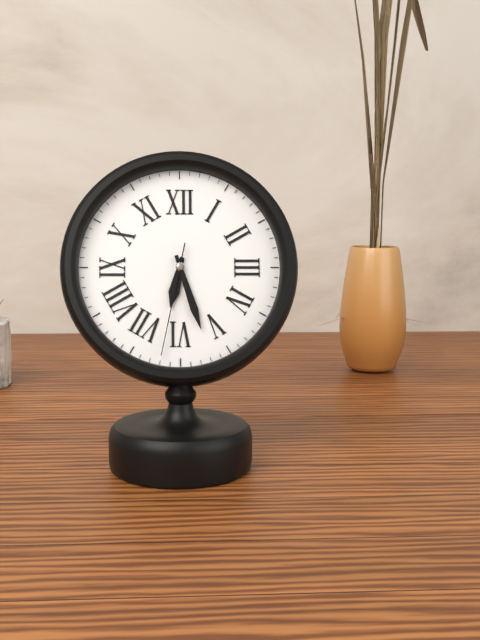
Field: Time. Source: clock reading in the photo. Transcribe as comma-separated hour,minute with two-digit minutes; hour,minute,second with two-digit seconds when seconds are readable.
6,27,32
